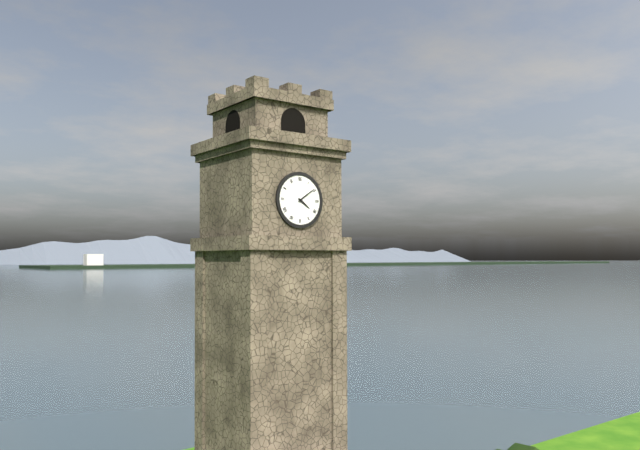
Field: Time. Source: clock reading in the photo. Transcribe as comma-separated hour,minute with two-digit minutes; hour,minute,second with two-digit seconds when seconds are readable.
4,09
